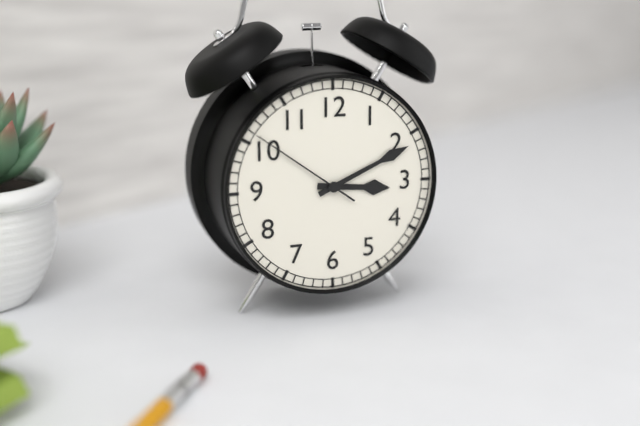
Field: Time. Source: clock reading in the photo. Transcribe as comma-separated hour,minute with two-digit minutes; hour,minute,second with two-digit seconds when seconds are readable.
3,11,51
